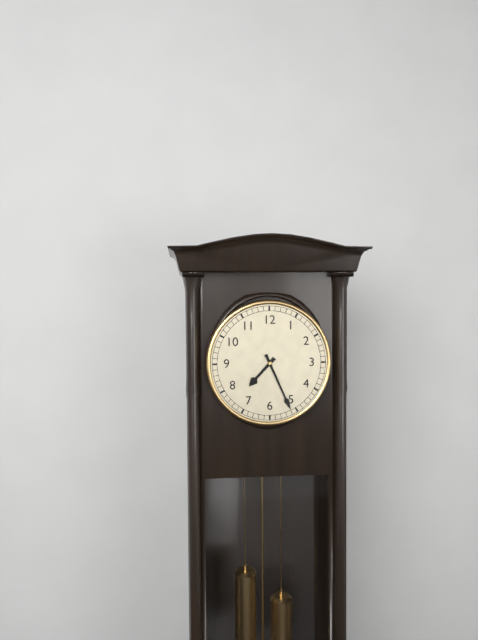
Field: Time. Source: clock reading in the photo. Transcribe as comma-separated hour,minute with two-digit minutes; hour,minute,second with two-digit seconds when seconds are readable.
7,26
